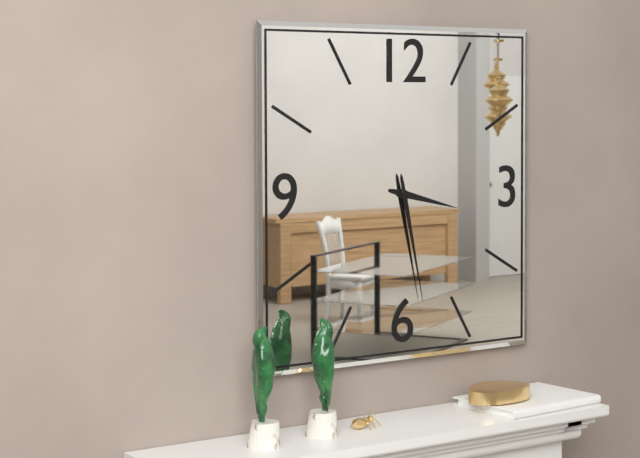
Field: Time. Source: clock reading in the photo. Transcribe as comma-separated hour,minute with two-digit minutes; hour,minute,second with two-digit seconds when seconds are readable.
3,28
